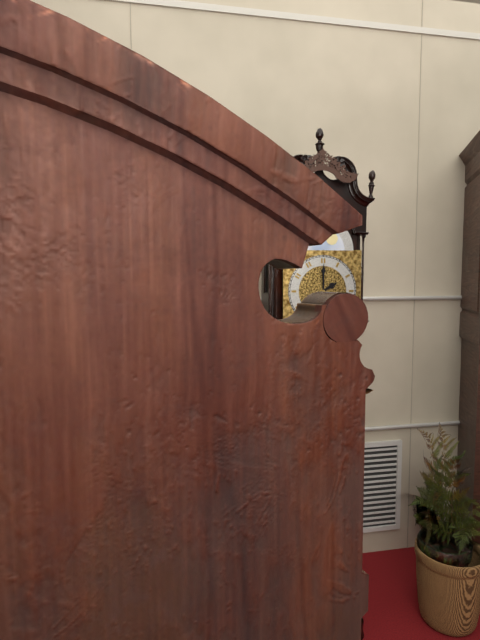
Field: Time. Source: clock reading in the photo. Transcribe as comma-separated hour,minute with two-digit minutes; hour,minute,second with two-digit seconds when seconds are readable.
2,00
